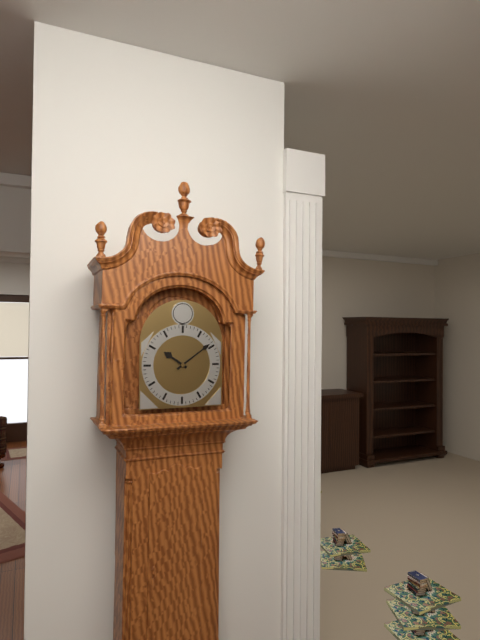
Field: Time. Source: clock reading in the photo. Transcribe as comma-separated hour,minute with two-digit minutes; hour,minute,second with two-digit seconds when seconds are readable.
10,09
